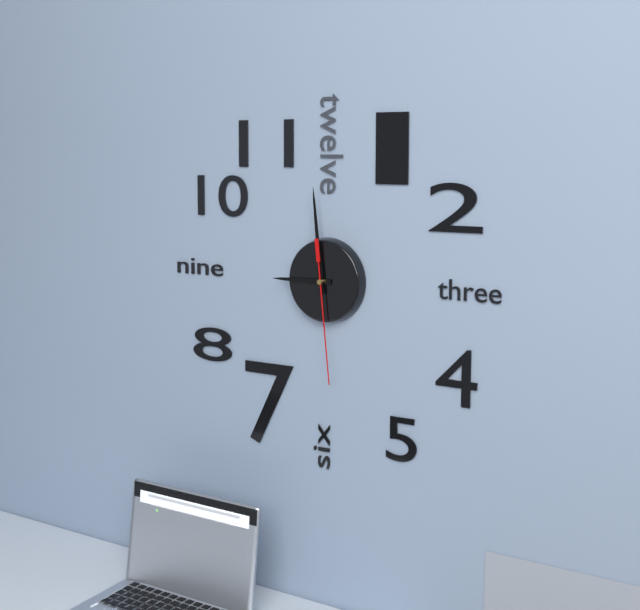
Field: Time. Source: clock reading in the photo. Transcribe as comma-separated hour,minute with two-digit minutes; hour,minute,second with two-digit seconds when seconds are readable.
8,59,29
